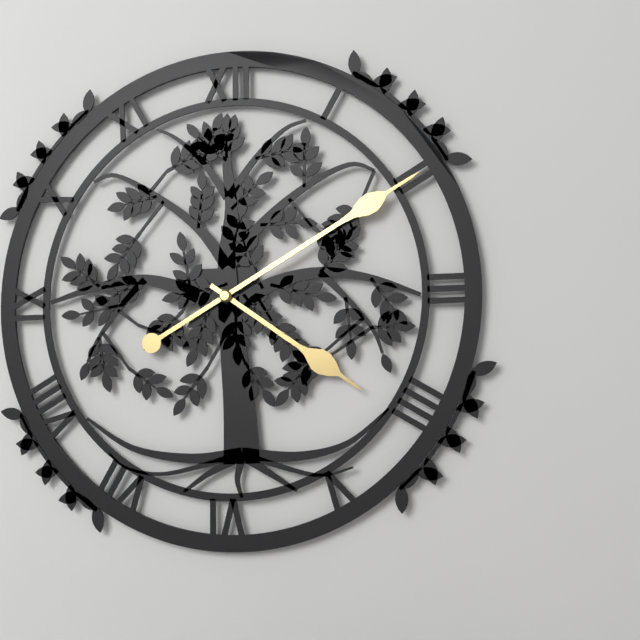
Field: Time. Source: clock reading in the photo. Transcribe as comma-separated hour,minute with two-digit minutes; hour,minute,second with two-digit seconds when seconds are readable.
4,10
